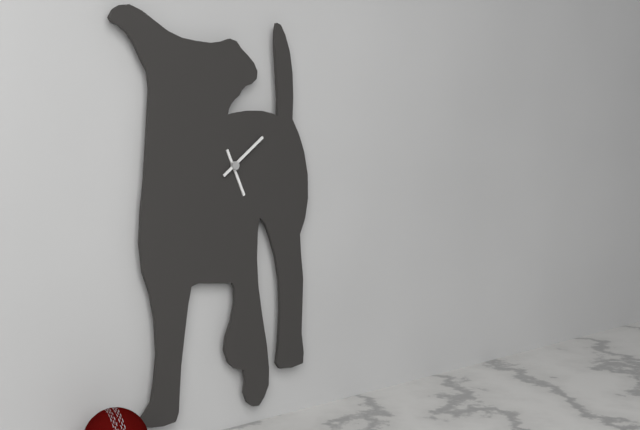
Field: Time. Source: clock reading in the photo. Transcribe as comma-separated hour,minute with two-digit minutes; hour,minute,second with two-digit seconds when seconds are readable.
5,09
